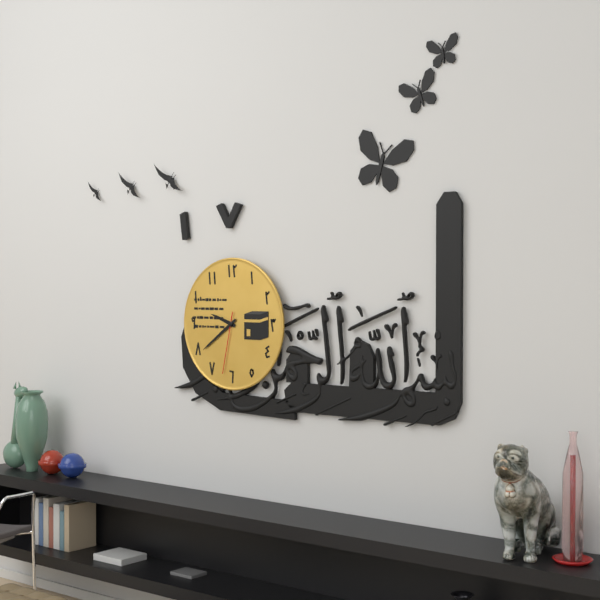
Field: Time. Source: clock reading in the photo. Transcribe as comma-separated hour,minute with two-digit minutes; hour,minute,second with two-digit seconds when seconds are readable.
9,39,32
